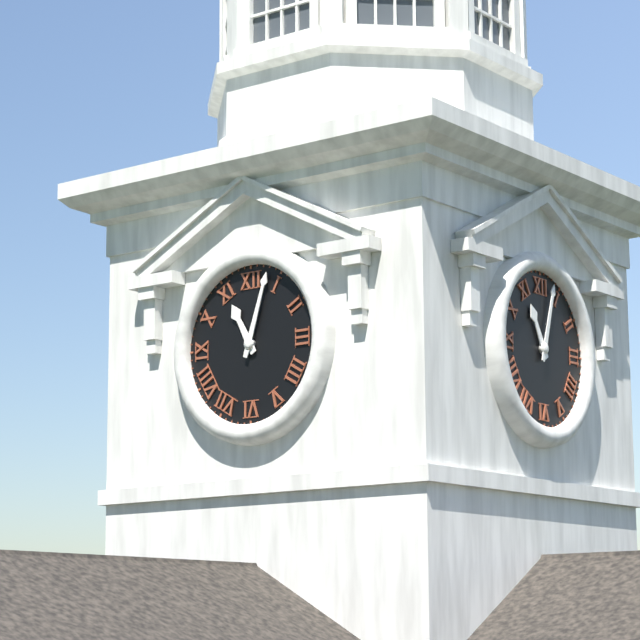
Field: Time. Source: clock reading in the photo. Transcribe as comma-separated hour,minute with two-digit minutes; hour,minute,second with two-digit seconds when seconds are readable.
11,03
